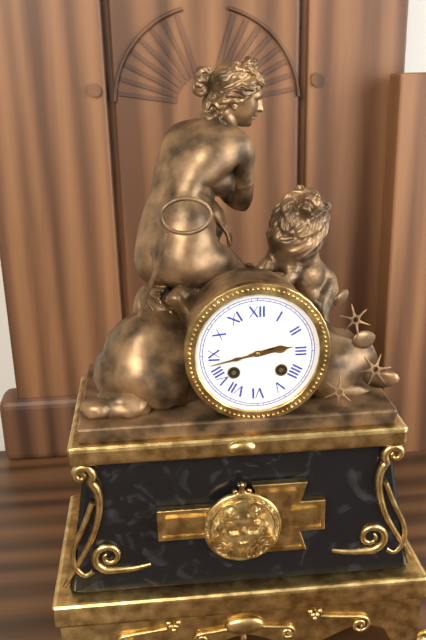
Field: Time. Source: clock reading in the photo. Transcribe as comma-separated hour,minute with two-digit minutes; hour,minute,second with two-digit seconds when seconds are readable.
2,43
